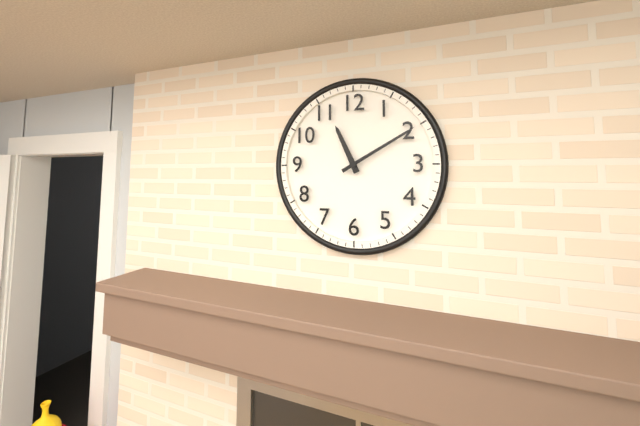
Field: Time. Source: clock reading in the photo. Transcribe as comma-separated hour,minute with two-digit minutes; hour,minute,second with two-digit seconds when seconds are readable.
11,10
